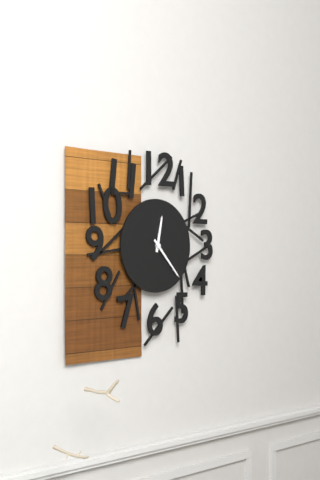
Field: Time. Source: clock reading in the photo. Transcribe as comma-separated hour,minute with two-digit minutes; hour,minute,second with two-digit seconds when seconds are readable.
12,23
